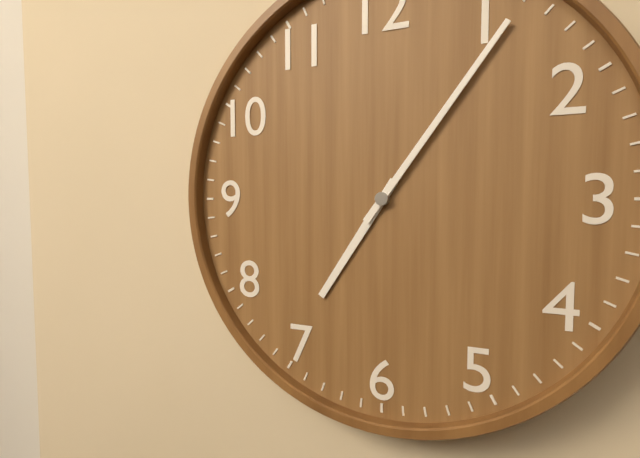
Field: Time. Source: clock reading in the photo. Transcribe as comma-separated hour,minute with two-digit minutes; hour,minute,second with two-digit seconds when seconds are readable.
7,06
